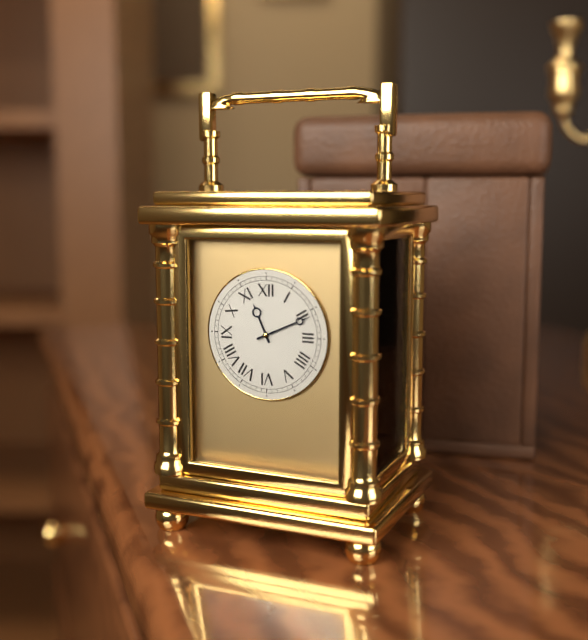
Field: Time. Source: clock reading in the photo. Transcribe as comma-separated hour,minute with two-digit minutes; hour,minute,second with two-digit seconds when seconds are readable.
11,11
